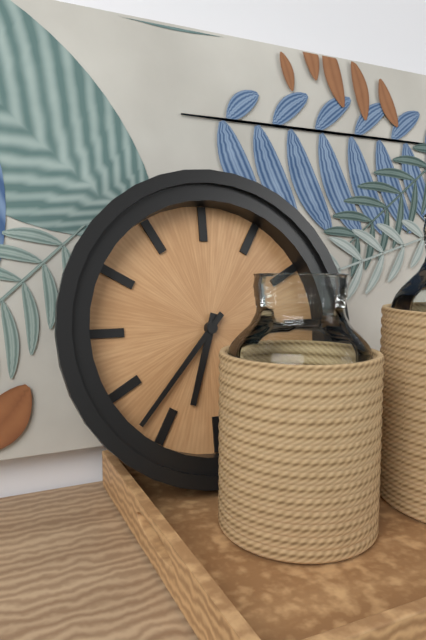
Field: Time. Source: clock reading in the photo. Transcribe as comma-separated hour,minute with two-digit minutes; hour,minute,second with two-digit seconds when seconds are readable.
6,37
